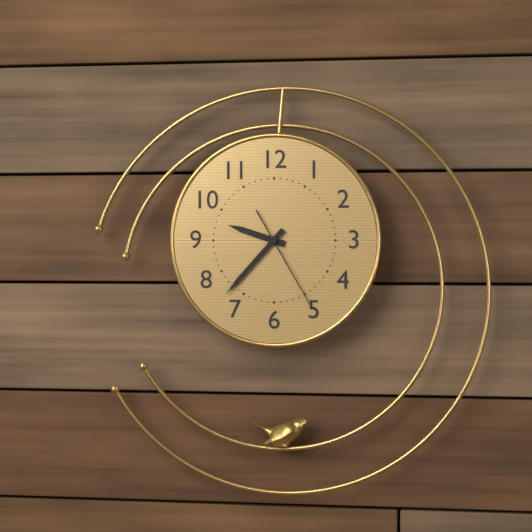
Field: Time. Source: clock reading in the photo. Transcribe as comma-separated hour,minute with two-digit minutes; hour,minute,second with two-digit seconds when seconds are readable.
9,37,25
